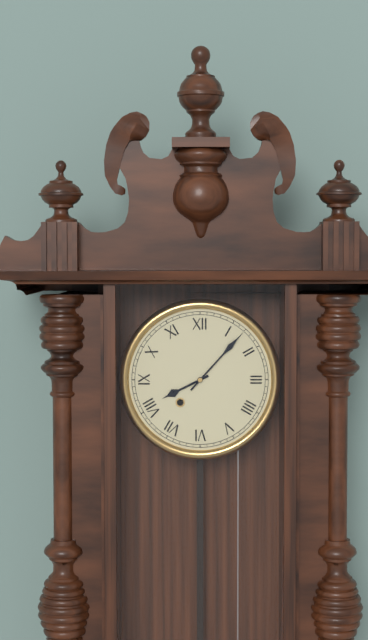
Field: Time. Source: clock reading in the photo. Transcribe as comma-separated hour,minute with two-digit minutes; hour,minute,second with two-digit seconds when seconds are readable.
8,07
